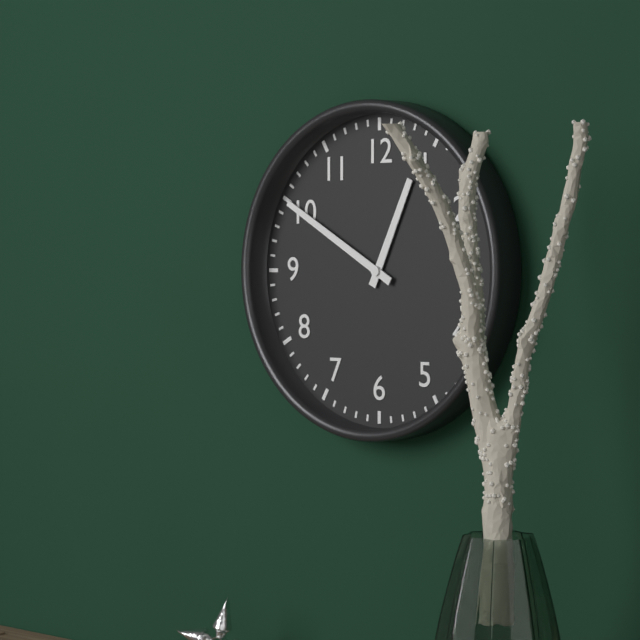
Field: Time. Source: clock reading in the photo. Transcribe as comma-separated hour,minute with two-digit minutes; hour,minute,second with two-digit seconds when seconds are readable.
12,50
